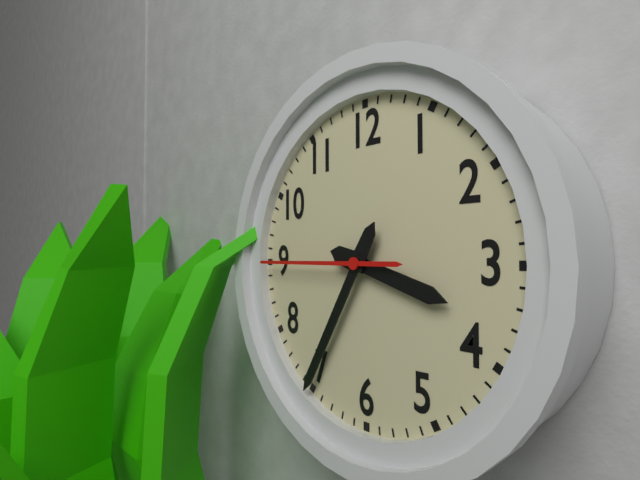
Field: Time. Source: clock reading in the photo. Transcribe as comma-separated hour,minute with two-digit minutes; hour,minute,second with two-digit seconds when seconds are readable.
3,35,45
